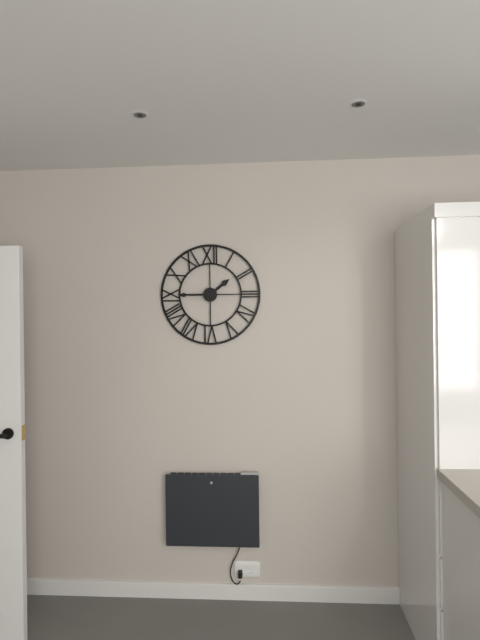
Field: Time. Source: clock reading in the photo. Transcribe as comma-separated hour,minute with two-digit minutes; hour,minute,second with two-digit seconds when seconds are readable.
1,45
